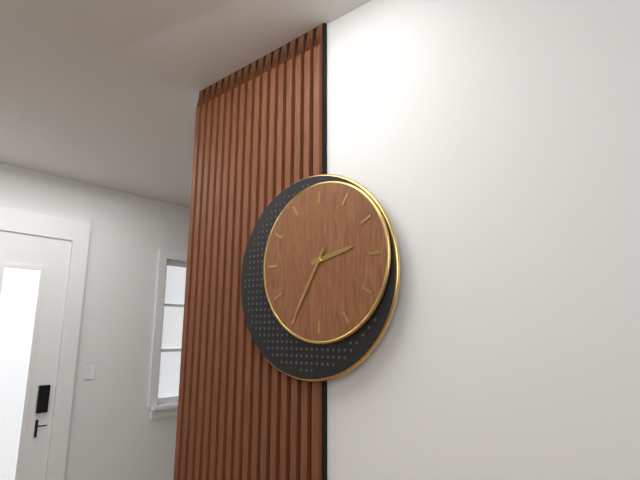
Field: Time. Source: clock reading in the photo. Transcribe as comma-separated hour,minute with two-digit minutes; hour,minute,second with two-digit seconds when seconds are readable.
2,35
